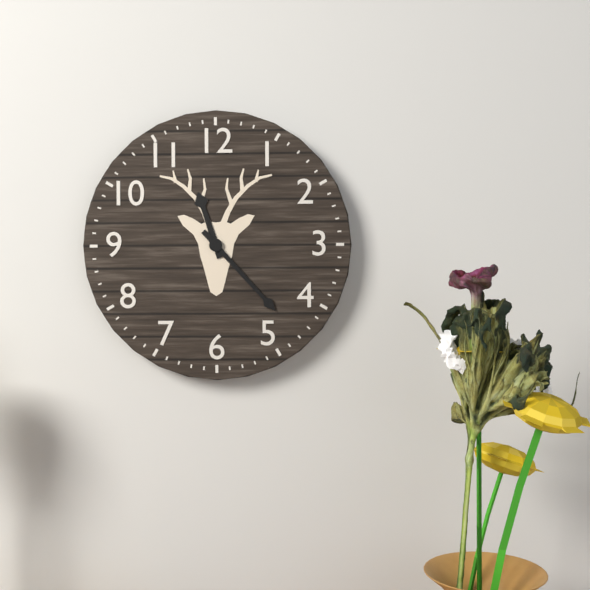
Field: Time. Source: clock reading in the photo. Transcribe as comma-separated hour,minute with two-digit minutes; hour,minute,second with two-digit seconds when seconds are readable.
11,23
